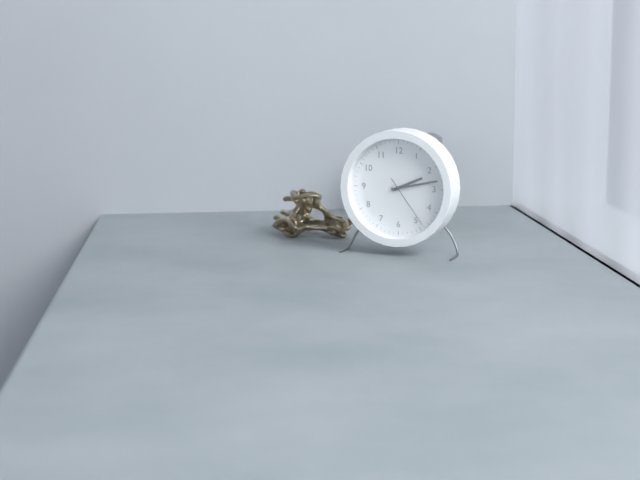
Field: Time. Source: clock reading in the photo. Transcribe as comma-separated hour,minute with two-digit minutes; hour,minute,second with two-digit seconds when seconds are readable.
2,13,24
